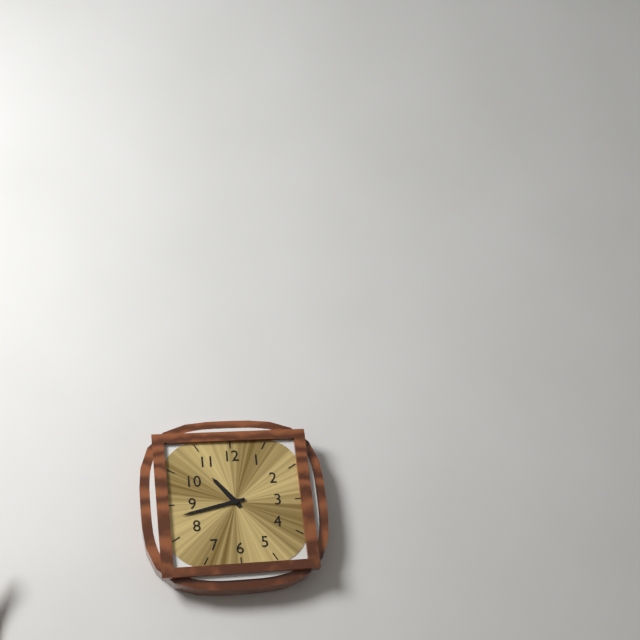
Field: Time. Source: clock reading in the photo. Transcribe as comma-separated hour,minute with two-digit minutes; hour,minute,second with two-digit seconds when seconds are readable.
10,43
